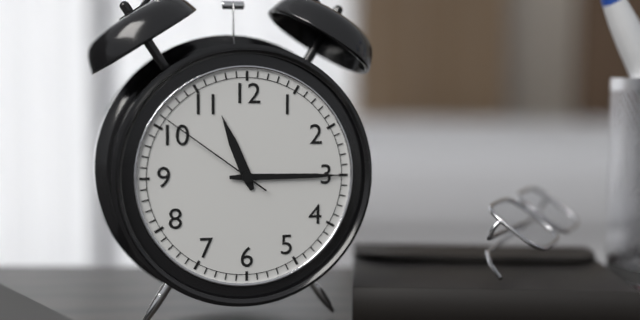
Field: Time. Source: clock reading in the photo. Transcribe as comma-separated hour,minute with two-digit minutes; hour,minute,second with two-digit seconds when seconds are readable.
11,15,51
